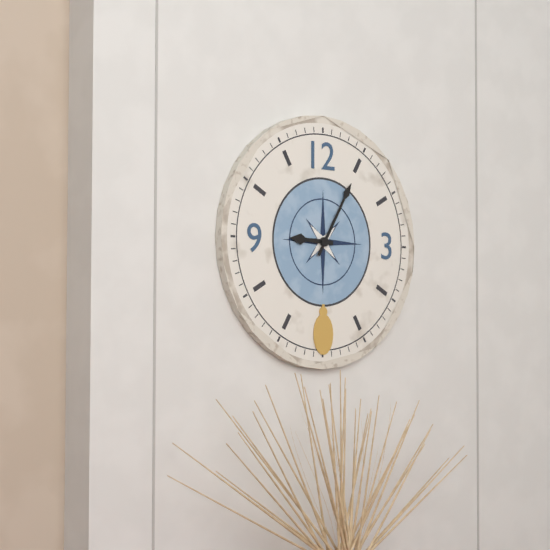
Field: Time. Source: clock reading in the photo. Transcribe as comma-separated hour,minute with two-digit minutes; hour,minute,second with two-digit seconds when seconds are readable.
9,05
